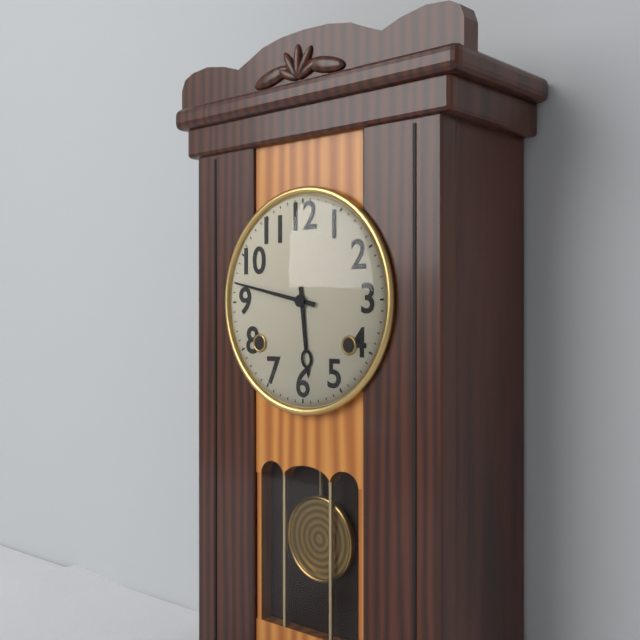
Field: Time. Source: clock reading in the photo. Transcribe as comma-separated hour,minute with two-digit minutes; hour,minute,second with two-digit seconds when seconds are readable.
5,47
